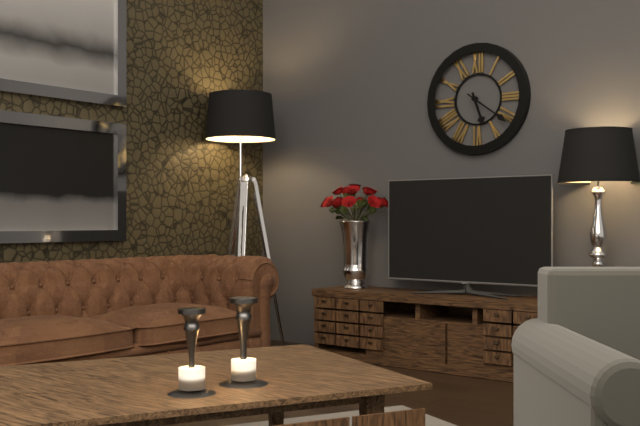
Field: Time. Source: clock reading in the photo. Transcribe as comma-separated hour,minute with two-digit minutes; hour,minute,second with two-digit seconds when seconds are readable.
5,21
